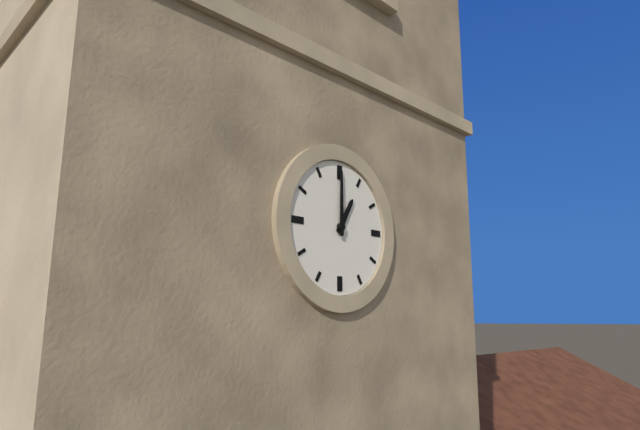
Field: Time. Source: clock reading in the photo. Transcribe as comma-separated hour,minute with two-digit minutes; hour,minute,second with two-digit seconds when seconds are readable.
1,00
